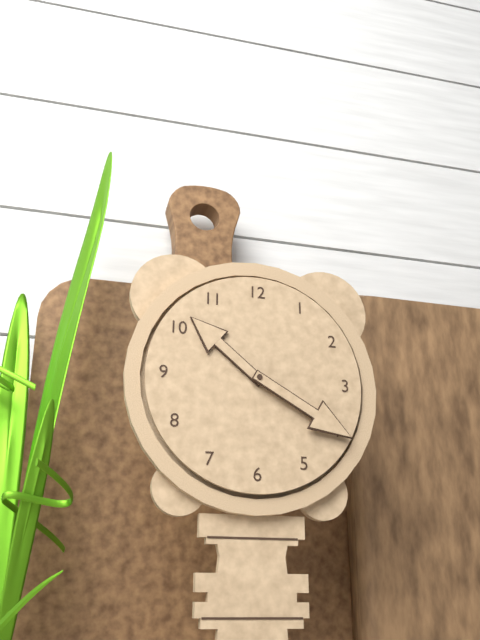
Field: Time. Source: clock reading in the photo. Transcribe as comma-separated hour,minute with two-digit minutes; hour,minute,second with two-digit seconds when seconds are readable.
10,20
